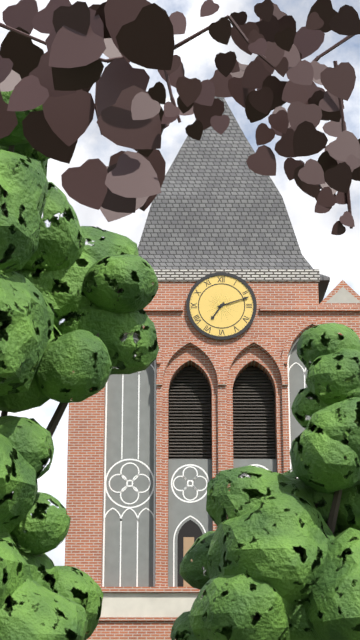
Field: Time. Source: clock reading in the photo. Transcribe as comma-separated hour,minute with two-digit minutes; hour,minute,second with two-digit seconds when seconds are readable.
7,12
